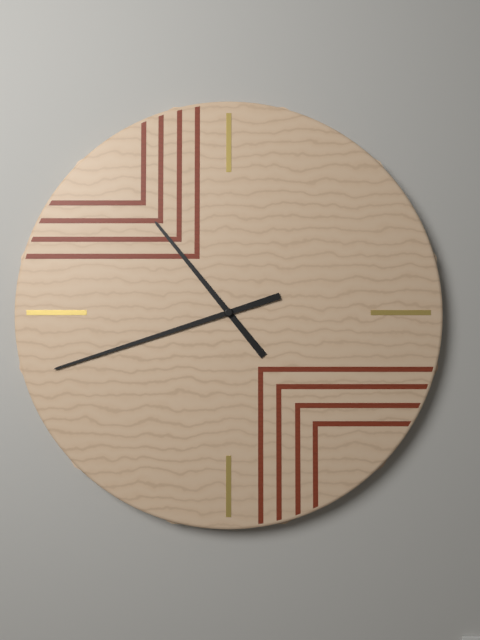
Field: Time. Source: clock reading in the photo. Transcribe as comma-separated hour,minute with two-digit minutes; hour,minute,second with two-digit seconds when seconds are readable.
10,42
